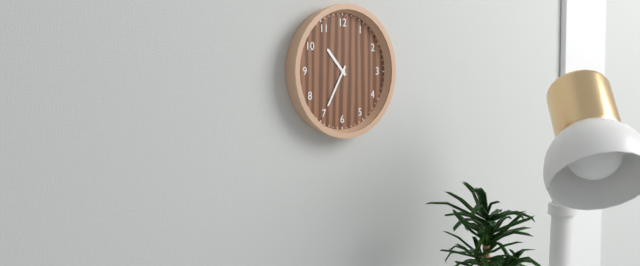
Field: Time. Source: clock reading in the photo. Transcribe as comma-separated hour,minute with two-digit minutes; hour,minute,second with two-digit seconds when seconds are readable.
10,35
